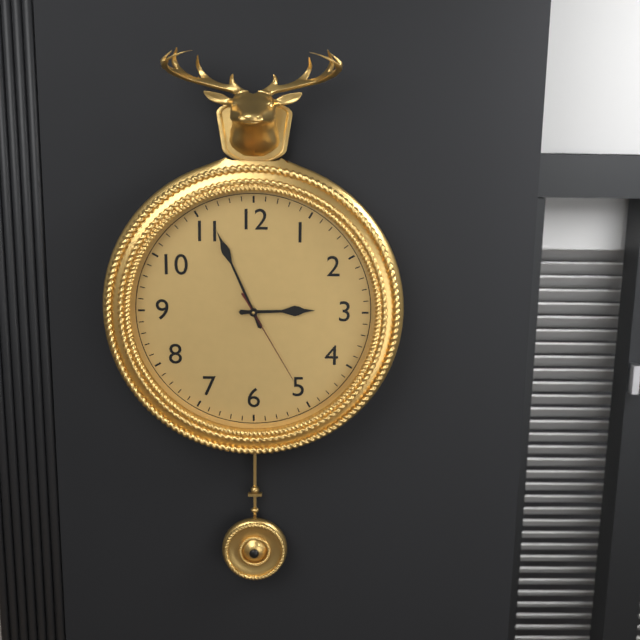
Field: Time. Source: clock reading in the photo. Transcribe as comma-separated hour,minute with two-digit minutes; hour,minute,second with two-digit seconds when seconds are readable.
2,56,25
